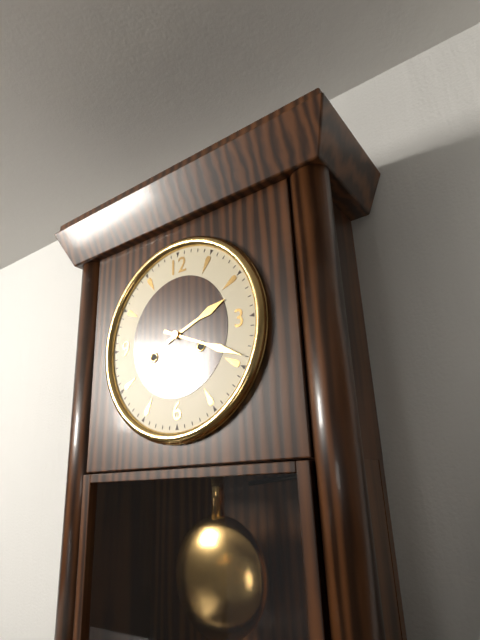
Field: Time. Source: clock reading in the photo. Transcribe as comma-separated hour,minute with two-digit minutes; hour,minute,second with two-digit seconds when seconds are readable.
2,19
